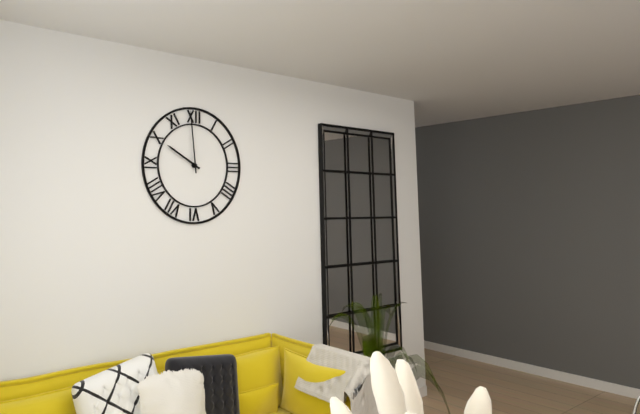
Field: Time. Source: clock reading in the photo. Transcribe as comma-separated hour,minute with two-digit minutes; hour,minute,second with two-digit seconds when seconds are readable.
9,59
